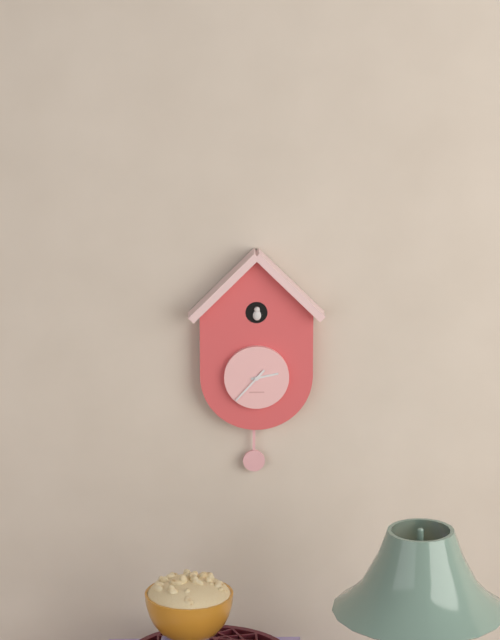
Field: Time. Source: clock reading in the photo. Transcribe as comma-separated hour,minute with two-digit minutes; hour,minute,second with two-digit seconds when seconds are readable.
2,37
